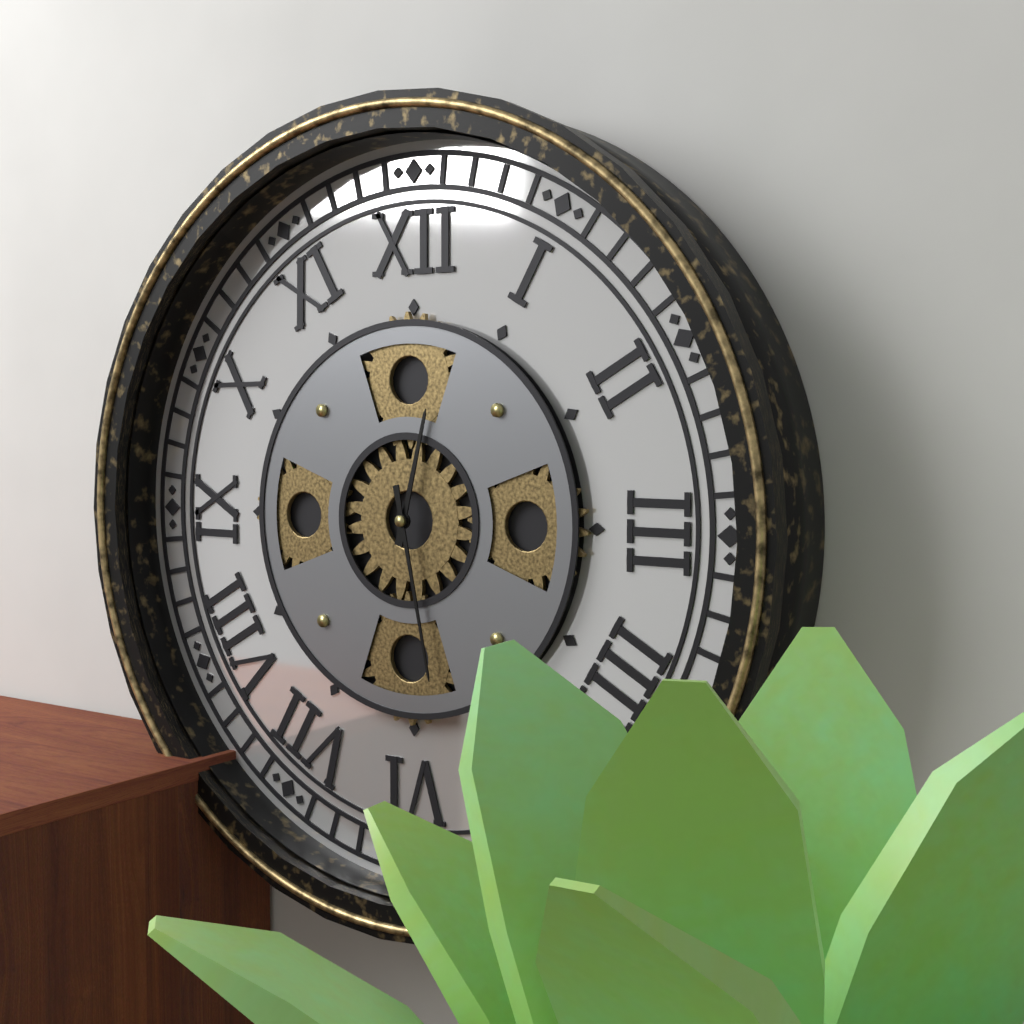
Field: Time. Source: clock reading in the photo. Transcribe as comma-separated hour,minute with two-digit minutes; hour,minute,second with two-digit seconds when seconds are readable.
12,28
